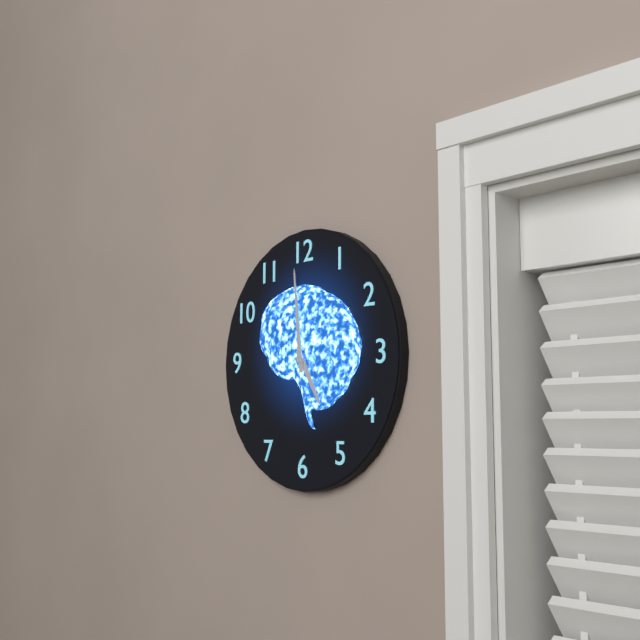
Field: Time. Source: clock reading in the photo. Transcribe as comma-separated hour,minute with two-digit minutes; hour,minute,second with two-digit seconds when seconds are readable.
4,59
